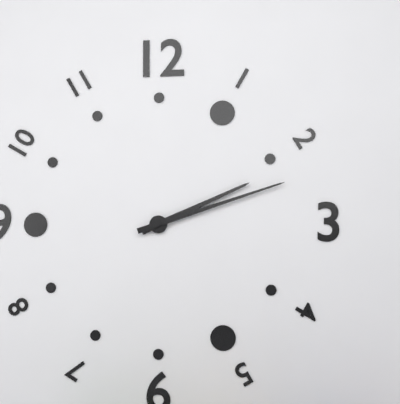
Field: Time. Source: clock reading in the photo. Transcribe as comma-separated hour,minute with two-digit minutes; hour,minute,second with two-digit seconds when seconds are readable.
2,12
